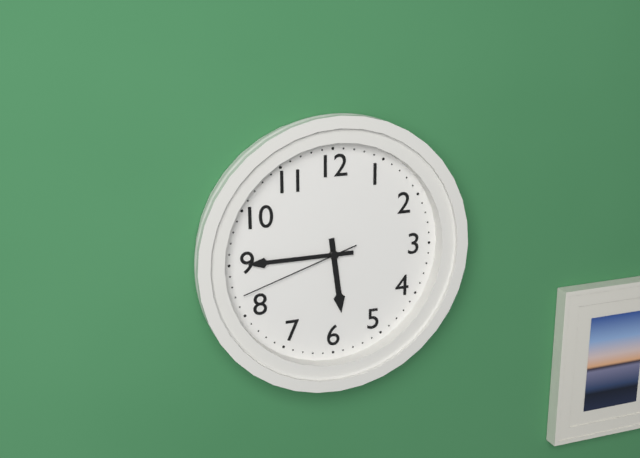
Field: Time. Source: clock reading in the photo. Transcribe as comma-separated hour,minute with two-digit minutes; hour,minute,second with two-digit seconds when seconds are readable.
5,45,42
